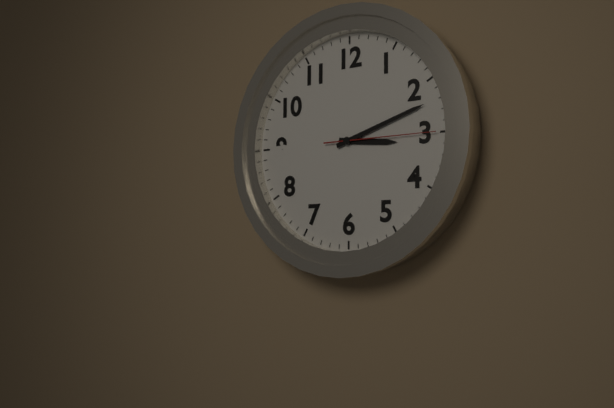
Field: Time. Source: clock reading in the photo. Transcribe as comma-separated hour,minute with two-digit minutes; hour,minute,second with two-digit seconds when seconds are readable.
3,12,15
